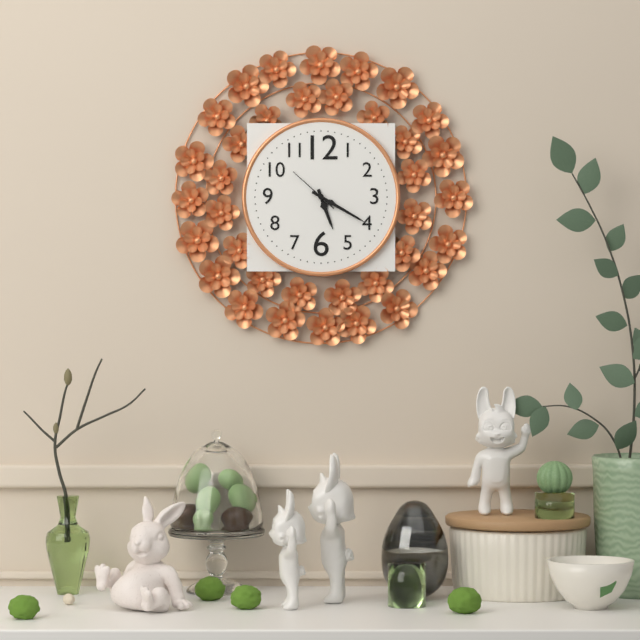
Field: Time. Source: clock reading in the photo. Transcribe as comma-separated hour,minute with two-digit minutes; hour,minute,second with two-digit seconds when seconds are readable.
5,20
